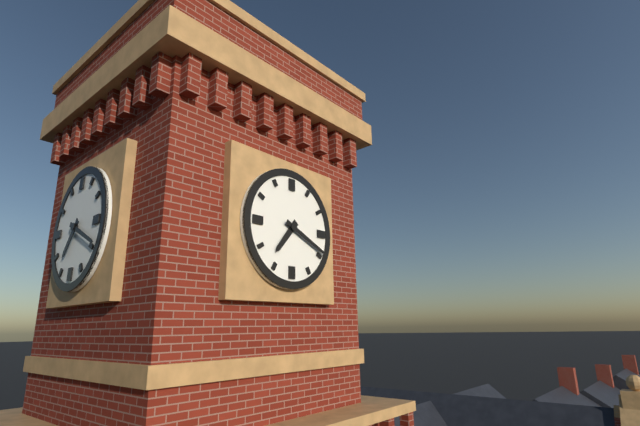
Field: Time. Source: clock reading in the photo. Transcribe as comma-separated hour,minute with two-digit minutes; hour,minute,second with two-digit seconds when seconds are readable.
7,19
